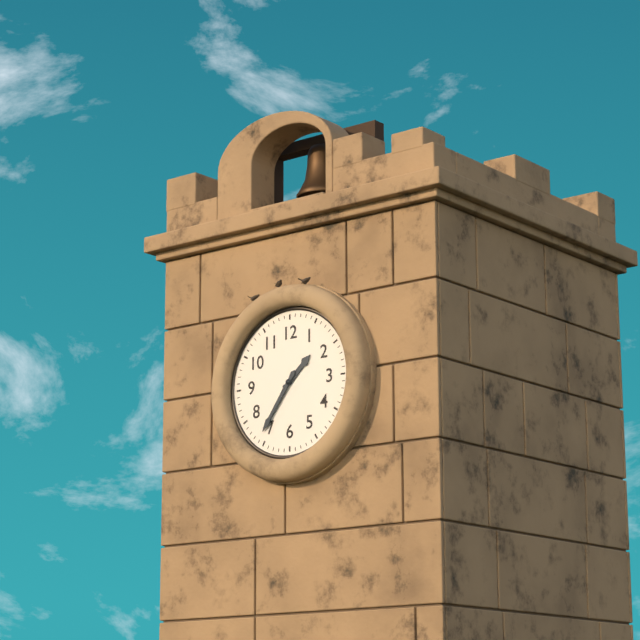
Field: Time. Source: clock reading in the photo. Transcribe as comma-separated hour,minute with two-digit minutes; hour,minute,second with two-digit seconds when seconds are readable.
1,36
